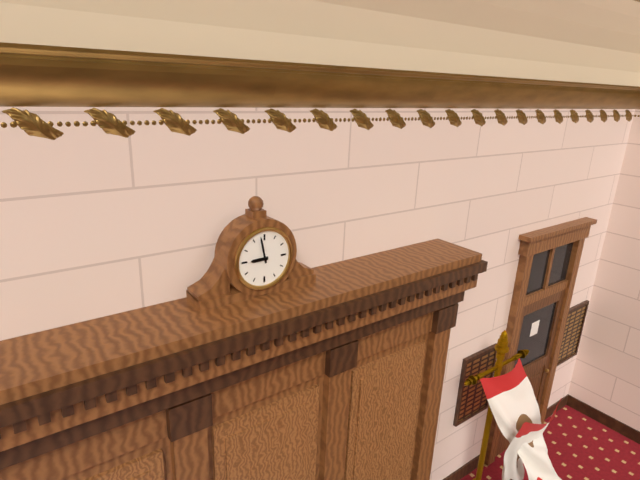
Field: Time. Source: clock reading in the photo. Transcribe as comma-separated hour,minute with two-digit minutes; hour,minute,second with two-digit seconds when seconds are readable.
8,58
